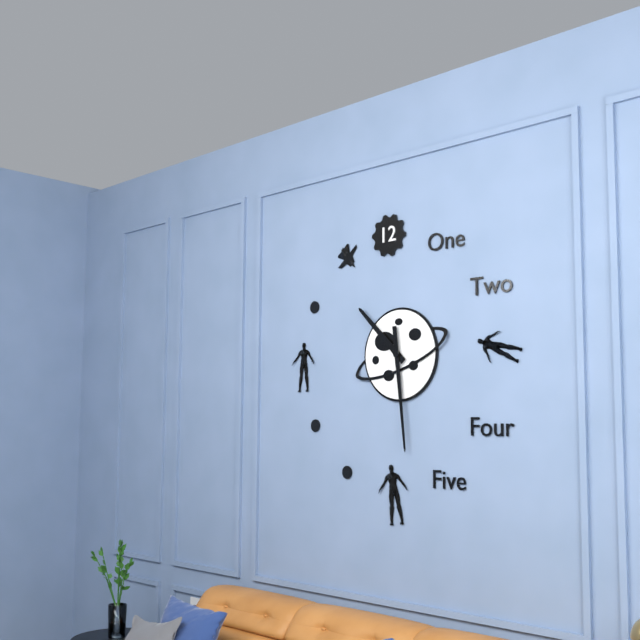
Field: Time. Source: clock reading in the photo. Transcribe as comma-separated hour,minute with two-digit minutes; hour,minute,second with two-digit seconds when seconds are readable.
10,29
